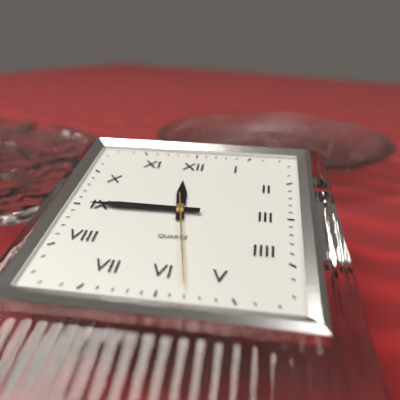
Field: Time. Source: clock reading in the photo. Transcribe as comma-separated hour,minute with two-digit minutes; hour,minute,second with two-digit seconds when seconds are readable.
11,45,28
